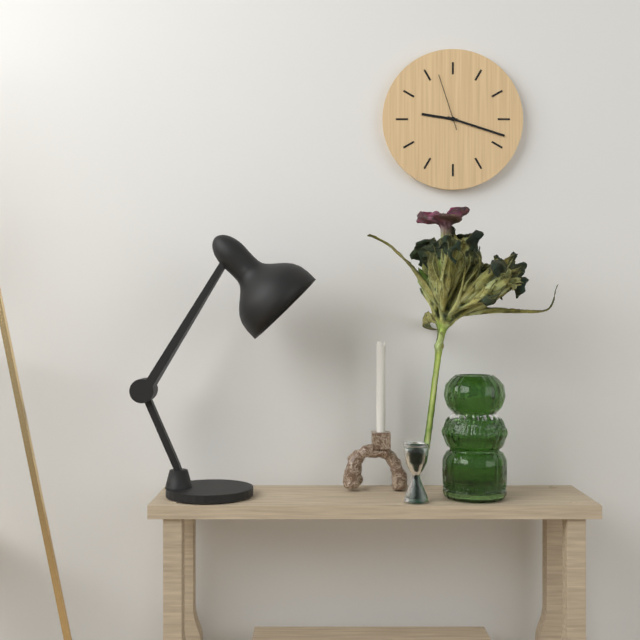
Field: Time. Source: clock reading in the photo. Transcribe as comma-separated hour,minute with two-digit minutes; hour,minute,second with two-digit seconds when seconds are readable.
9,18,57
